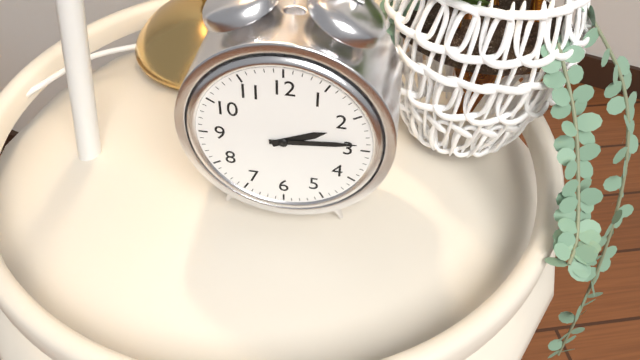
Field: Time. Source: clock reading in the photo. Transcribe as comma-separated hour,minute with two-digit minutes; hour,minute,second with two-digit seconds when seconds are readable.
2,14
